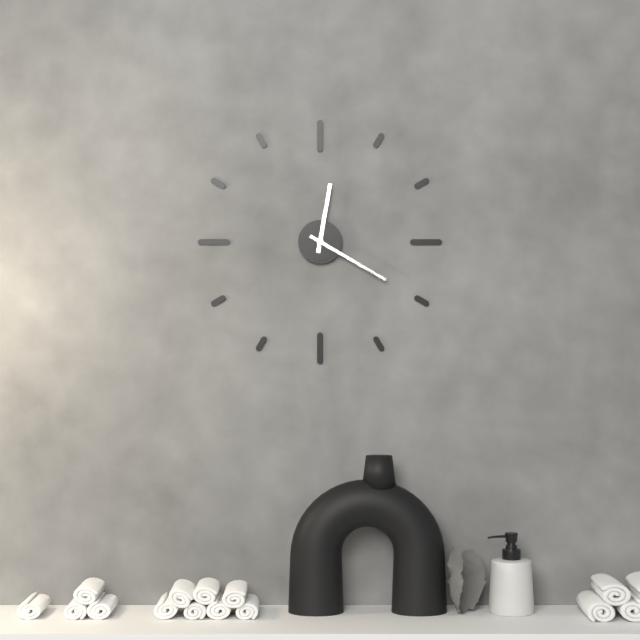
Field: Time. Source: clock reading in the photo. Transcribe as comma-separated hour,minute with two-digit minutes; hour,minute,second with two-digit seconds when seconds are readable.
12,20
